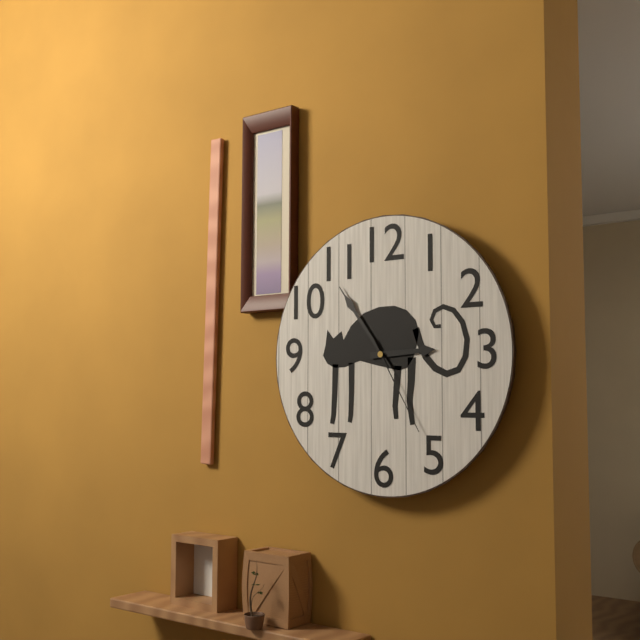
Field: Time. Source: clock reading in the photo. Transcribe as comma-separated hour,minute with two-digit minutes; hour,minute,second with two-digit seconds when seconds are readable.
2,54,25
